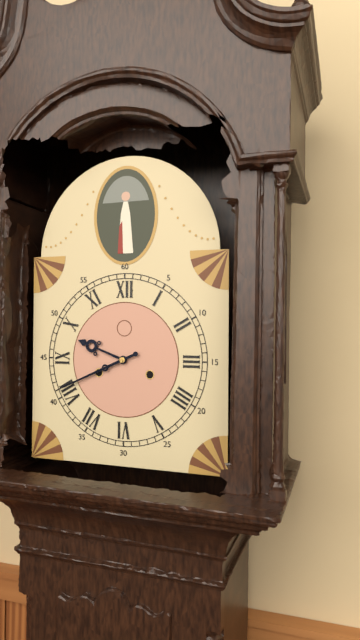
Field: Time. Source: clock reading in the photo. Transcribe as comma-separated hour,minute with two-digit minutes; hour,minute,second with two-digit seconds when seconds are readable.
9,41
